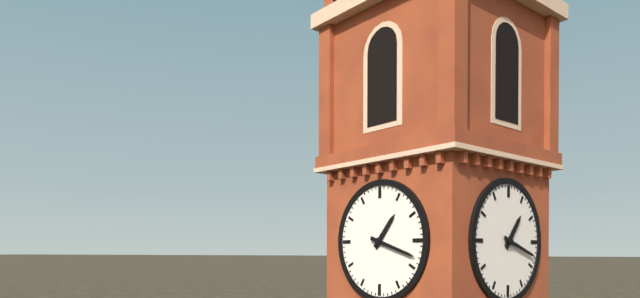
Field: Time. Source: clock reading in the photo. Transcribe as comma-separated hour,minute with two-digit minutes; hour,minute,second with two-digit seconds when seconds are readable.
1,18
